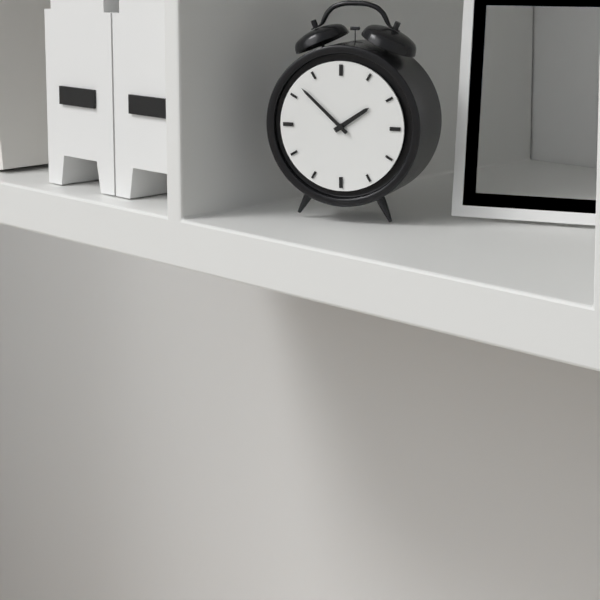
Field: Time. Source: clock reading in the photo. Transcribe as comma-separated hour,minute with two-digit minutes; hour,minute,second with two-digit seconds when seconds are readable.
1,52
